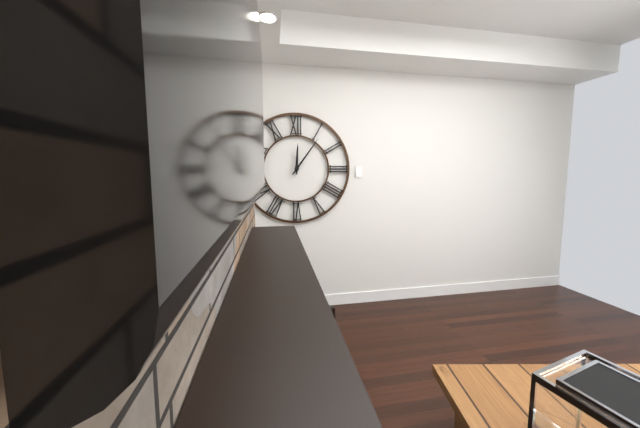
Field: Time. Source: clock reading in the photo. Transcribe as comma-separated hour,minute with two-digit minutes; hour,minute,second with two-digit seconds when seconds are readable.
12,06
